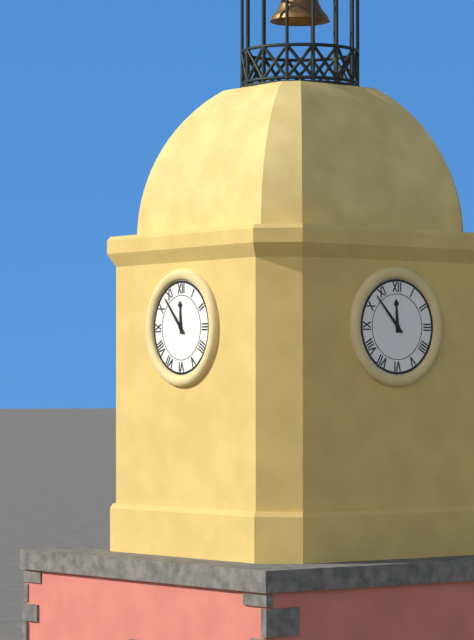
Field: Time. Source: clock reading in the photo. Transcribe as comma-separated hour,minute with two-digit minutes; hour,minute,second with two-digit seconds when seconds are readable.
11,53
